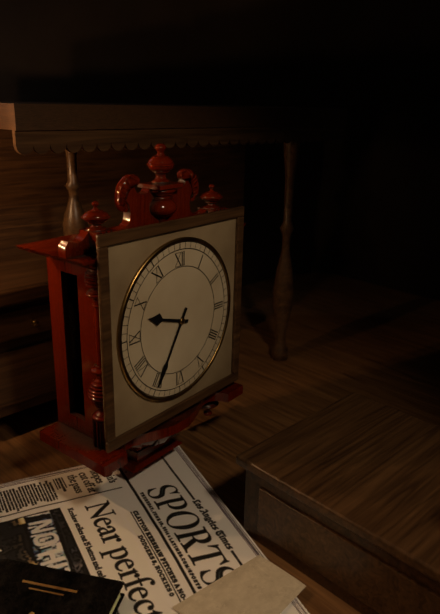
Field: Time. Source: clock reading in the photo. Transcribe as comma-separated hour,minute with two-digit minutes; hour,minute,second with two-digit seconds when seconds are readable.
9,35
